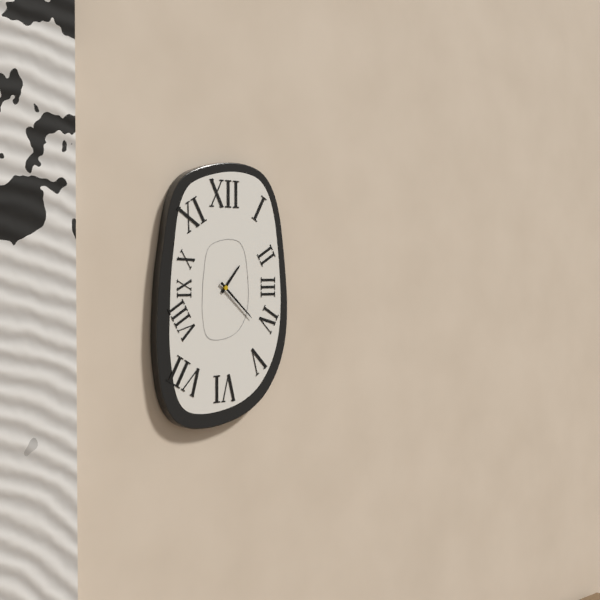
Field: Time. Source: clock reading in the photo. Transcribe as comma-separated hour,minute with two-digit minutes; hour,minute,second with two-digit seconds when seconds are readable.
1,22
